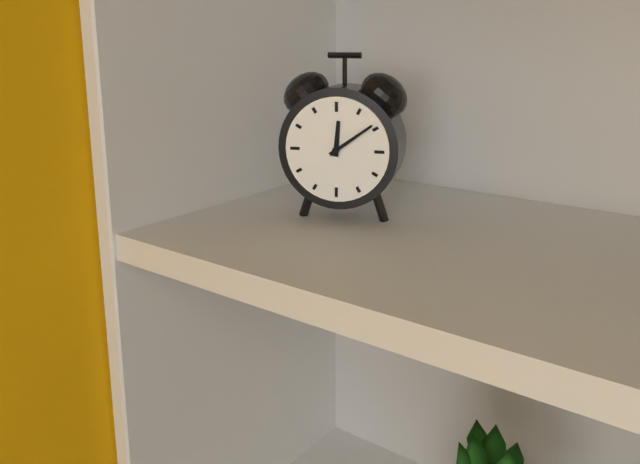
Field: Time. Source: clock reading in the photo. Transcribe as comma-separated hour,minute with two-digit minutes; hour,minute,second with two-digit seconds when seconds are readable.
12,09
